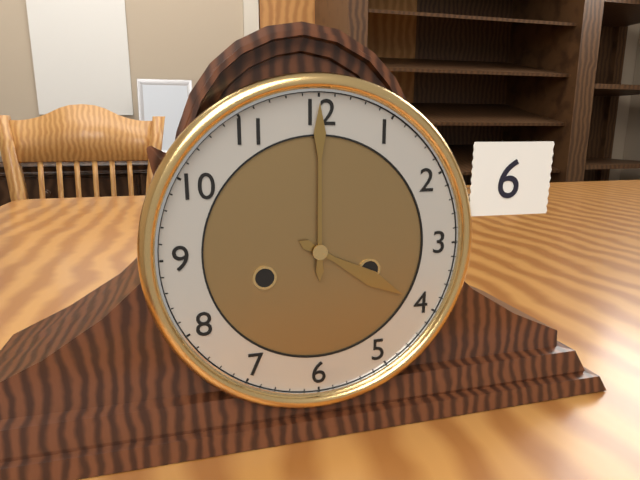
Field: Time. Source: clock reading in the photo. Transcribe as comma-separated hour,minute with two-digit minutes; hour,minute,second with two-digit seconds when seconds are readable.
4,00
